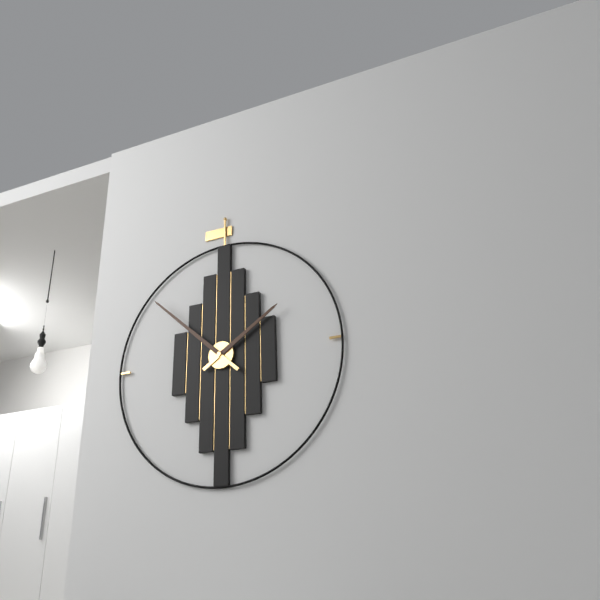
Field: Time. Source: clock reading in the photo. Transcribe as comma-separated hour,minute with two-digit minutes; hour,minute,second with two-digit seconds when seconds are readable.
1,52
